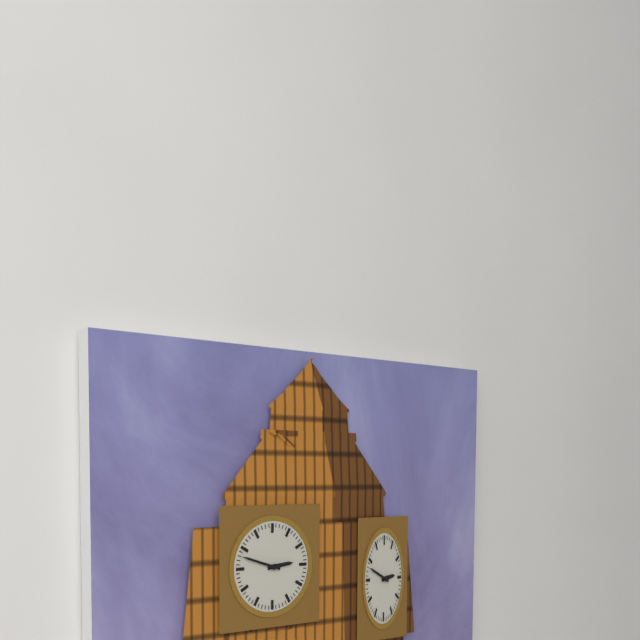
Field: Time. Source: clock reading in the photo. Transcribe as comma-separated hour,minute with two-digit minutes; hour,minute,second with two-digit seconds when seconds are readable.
2,48
